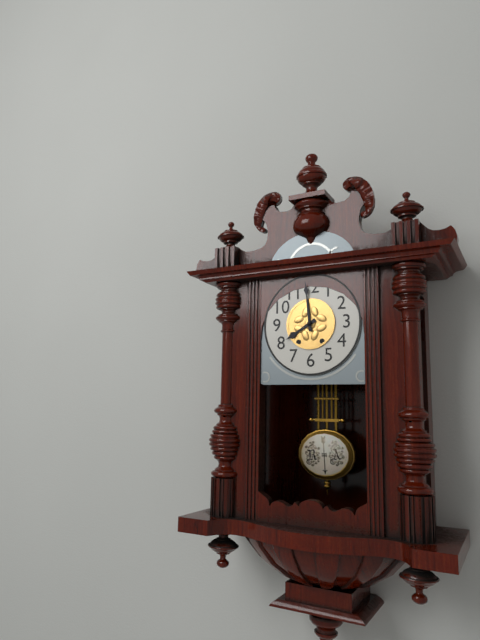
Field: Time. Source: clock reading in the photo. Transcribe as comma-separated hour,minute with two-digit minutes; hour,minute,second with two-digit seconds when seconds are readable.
7,59
